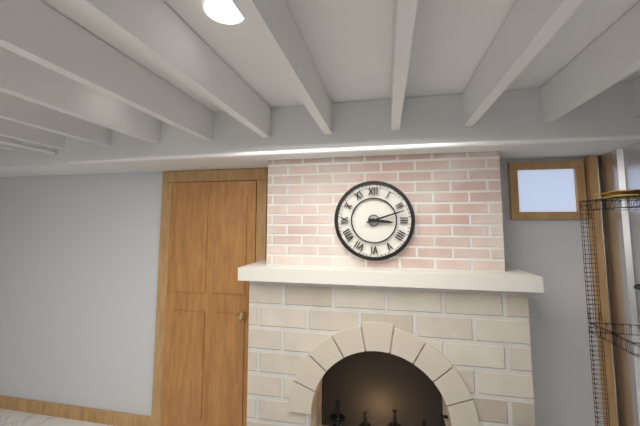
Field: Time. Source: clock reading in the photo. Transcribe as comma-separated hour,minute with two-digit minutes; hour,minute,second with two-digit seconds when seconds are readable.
3,12
